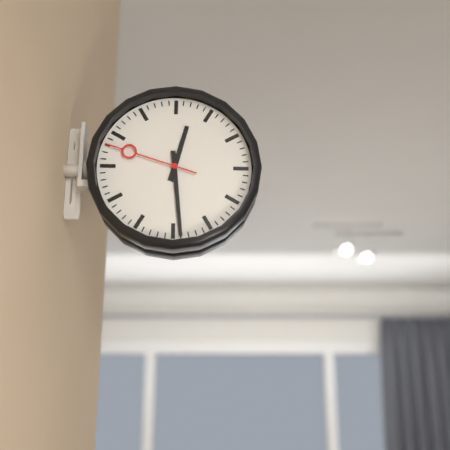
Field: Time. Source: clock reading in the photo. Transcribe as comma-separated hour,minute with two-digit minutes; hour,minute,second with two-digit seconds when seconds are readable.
12,29,48
